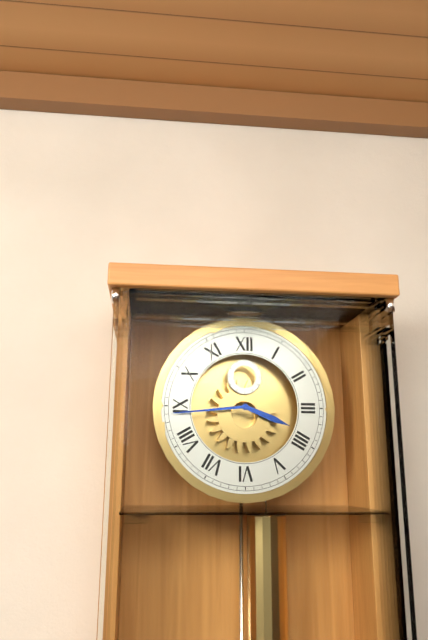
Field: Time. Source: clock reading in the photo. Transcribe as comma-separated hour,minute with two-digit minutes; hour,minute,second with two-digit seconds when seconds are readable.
3,44
